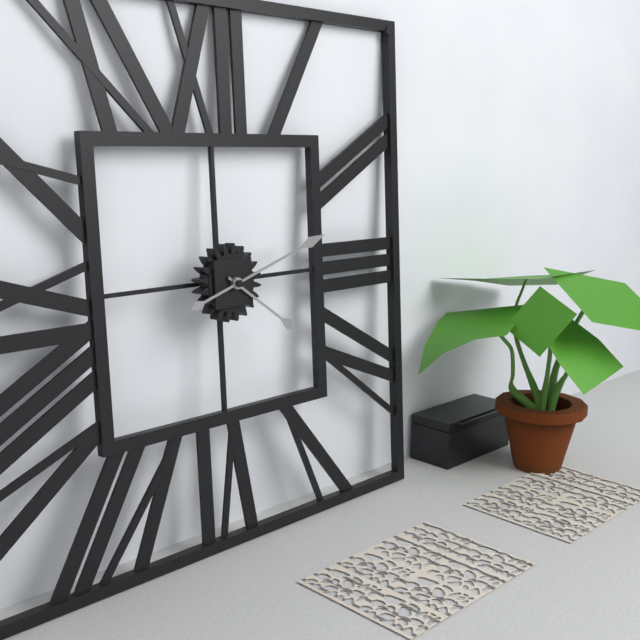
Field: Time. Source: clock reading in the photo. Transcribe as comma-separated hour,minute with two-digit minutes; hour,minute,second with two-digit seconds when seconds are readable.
4,12
